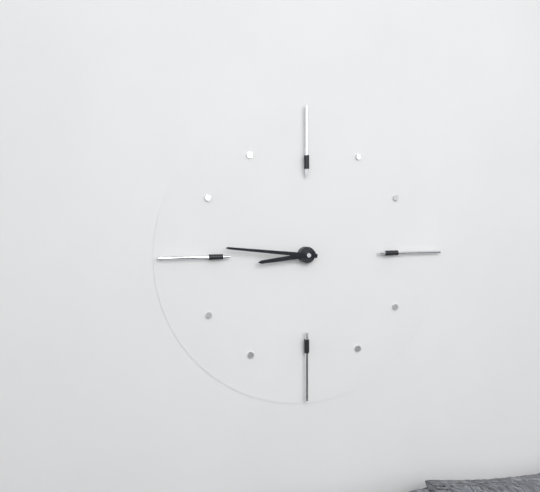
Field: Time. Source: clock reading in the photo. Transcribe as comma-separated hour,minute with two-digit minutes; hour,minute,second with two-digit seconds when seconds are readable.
8,46
